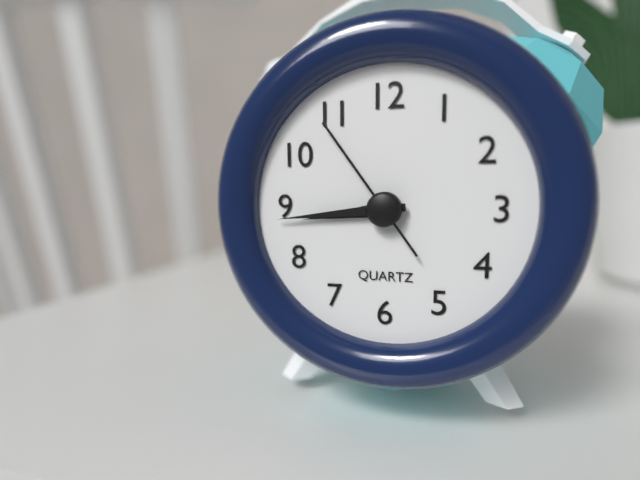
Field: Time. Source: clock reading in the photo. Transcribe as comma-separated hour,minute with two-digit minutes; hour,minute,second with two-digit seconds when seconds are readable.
8,44,54
